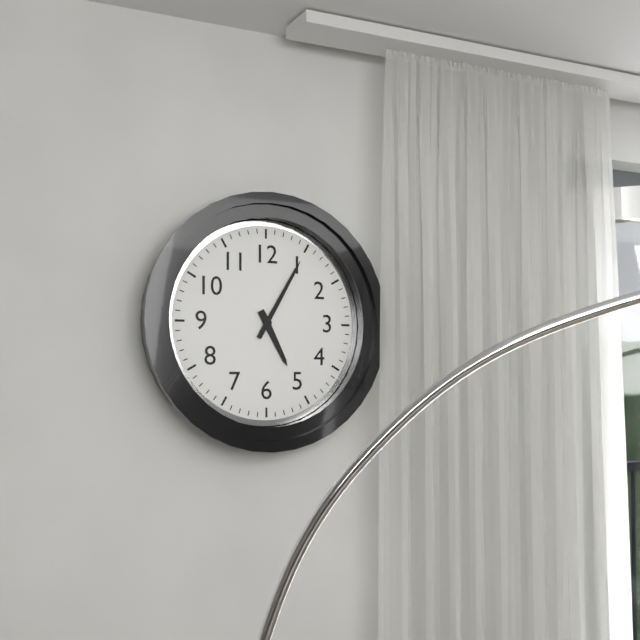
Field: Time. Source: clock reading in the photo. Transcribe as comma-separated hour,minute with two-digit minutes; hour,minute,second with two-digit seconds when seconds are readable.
5,05
